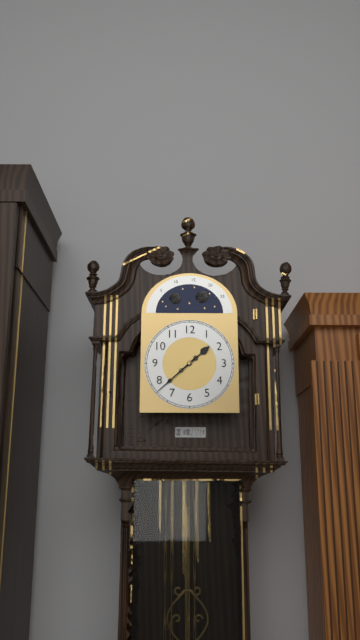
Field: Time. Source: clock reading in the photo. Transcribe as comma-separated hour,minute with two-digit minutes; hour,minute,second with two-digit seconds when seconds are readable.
1,38
